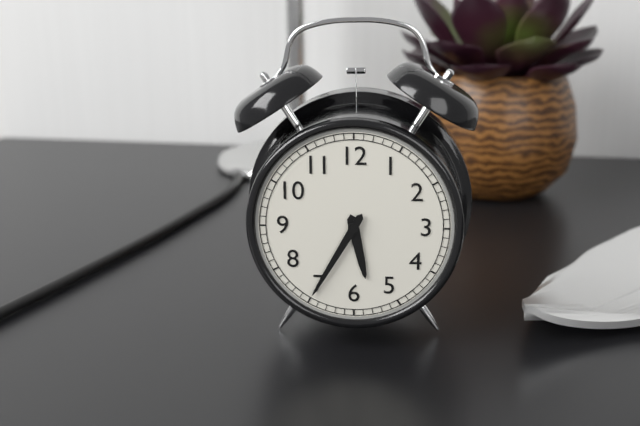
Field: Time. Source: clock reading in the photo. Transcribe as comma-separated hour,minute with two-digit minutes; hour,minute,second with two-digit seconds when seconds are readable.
5,35
